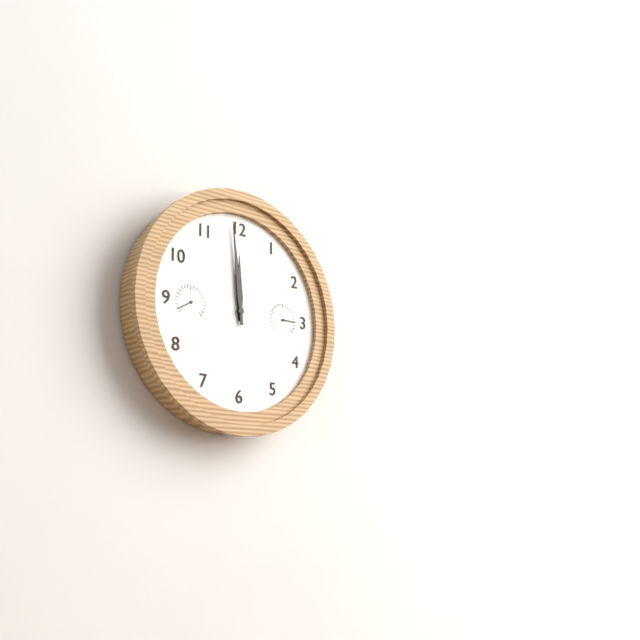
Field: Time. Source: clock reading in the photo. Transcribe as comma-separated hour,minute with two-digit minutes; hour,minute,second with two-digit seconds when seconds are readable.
11,59
